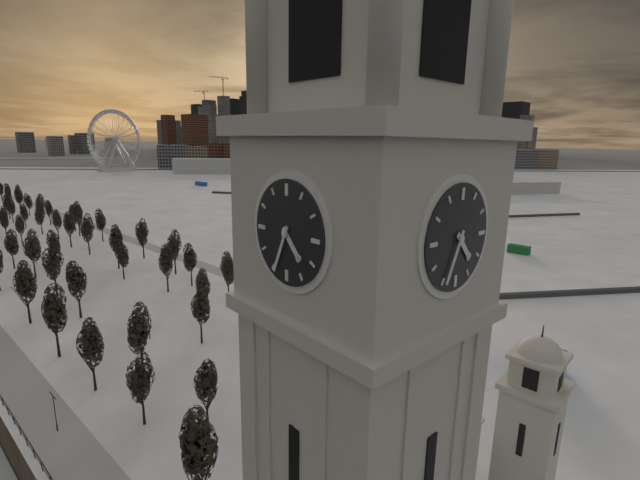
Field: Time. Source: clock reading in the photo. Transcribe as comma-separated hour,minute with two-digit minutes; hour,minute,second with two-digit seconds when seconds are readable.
4,34
